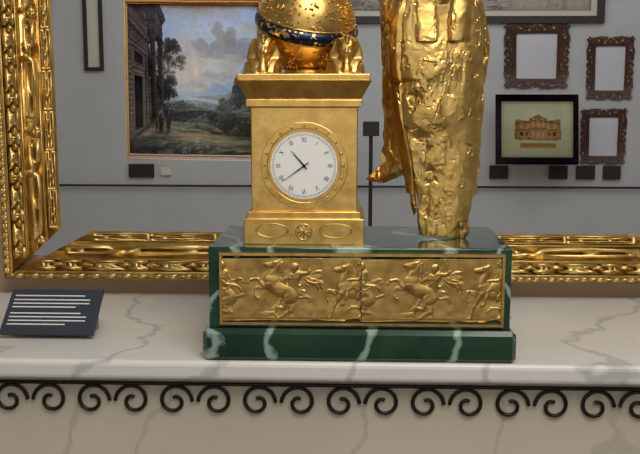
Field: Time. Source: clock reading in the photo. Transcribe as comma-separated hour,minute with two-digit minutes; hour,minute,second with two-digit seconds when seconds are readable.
10,39
